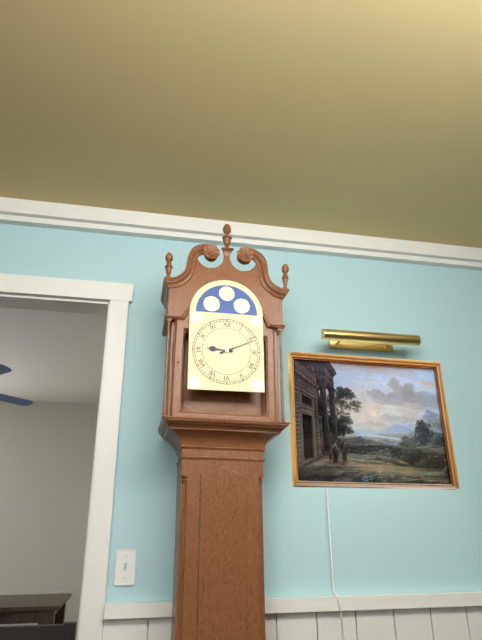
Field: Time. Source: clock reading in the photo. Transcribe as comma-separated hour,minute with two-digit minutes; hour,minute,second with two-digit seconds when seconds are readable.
9,11
